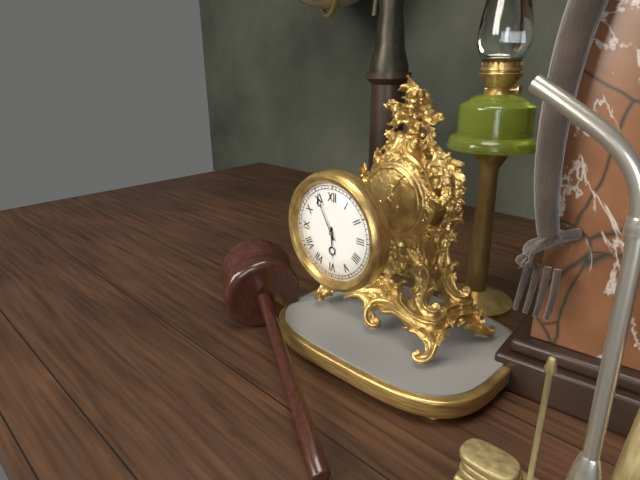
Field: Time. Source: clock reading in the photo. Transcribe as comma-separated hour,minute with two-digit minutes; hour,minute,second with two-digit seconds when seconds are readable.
5,55
